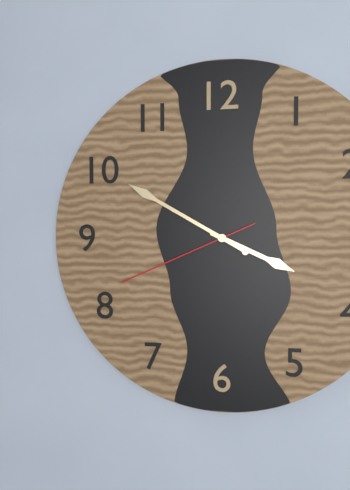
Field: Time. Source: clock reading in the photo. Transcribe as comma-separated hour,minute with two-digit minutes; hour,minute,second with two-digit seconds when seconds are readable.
3,50,41
